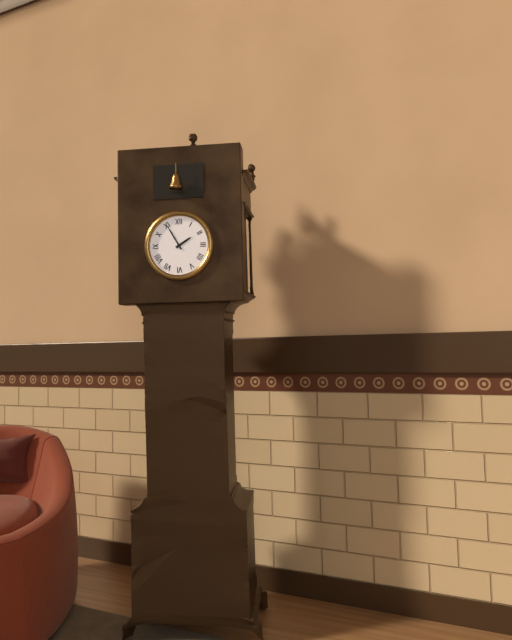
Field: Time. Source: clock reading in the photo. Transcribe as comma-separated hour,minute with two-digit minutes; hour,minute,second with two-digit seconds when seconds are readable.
1,55
